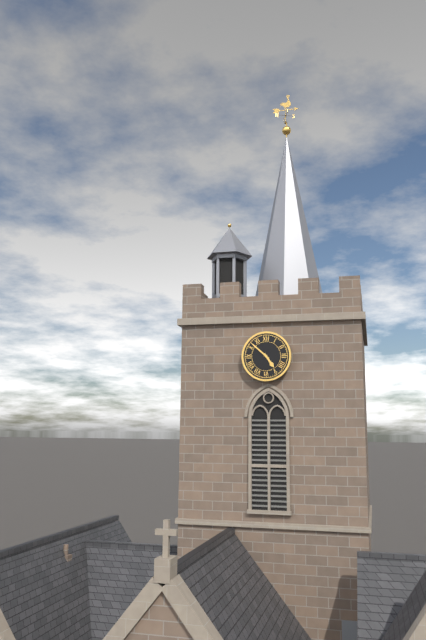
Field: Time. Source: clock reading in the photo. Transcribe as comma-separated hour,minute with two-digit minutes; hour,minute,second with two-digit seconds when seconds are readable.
4,52
